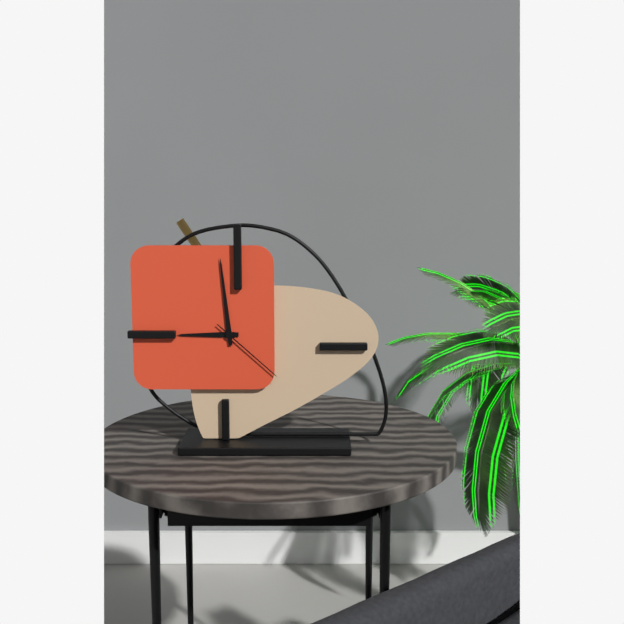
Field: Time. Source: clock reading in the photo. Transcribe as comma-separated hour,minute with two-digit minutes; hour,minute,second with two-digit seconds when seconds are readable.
8,59,22
